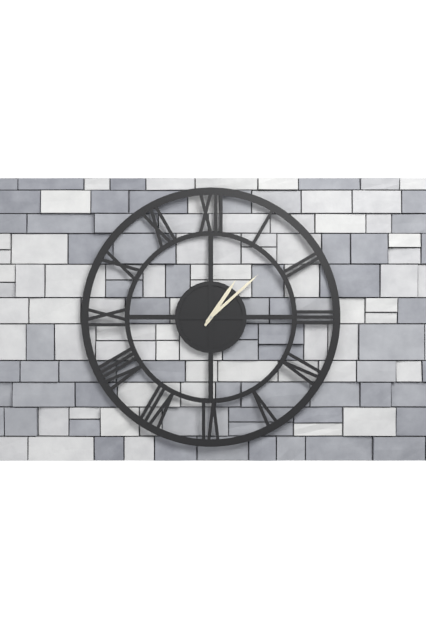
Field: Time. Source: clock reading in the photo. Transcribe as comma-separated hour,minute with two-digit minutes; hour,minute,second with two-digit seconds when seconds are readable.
1,08
